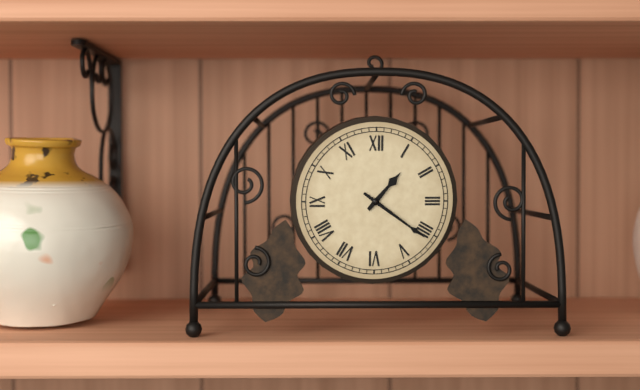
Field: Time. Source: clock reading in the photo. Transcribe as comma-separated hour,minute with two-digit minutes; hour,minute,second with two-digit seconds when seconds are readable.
1,21
